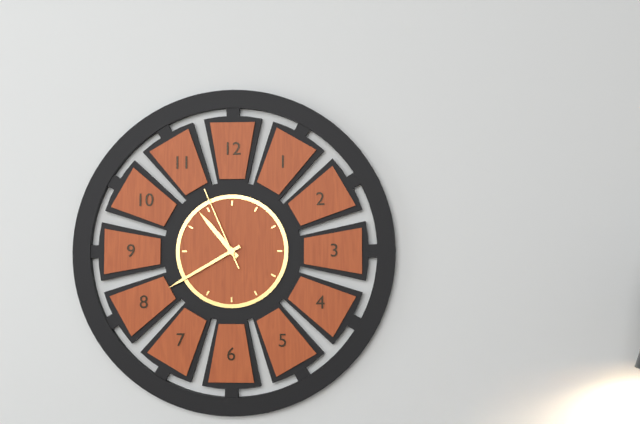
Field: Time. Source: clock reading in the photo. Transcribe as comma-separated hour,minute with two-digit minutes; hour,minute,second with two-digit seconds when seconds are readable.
10,40,56
